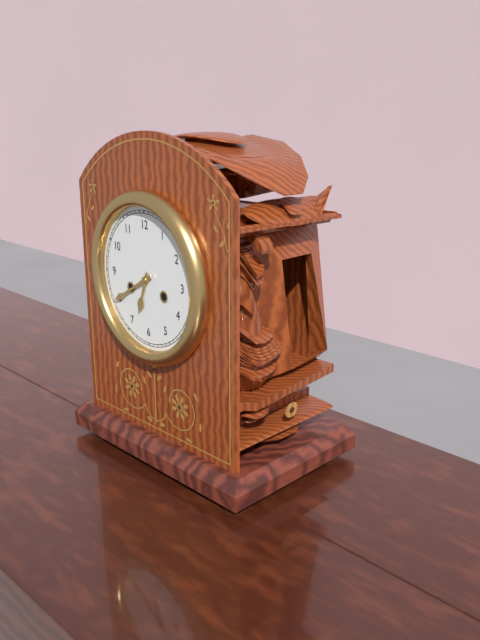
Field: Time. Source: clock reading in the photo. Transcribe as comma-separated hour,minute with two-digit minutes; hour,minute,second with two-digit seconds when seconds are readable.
6,40
